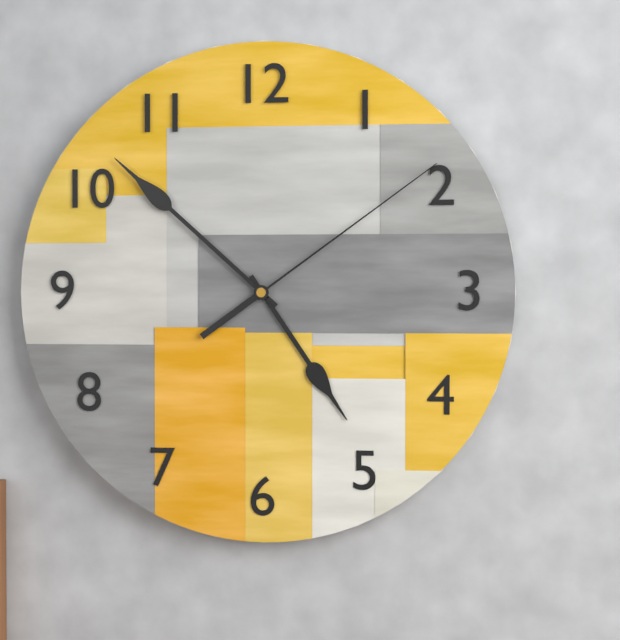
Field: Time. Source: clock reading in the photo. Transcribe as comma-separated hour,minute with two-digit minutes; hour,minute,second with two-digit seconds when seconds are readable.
4,52,09
